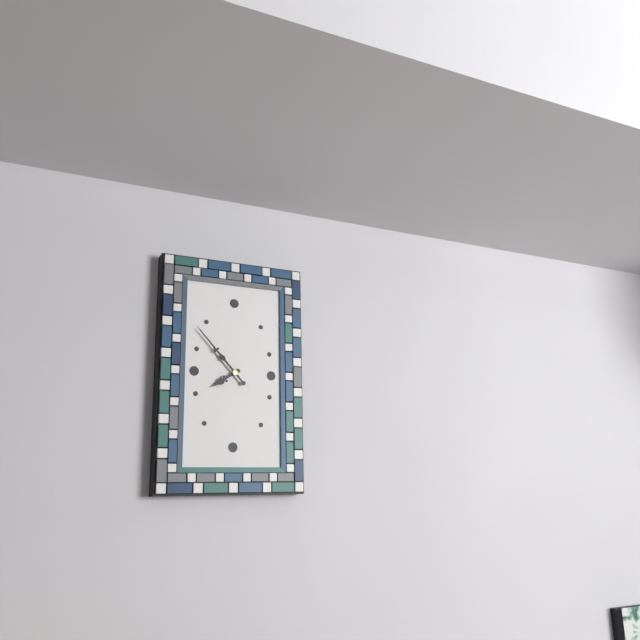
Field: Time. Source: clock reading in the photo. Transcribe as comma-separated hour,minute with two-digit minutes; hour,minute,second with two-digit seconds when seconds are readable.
7,53
